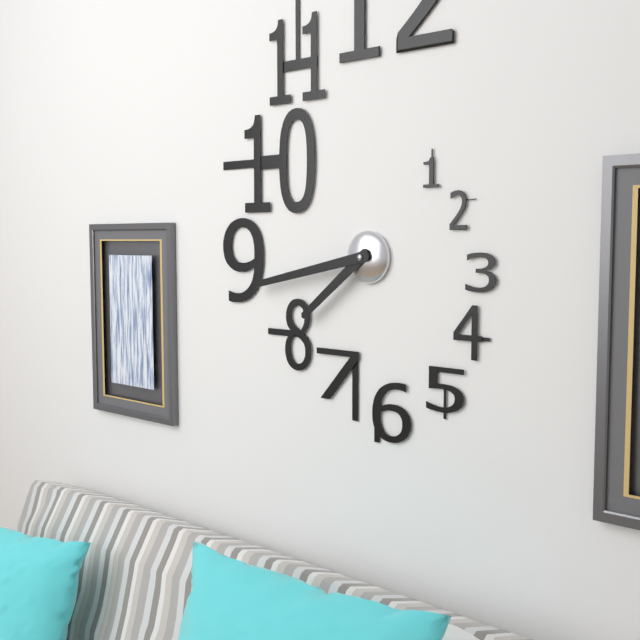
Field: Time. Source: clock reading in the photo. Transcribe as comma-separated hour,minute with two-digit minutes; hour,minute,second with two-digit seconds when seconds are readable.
7,43
